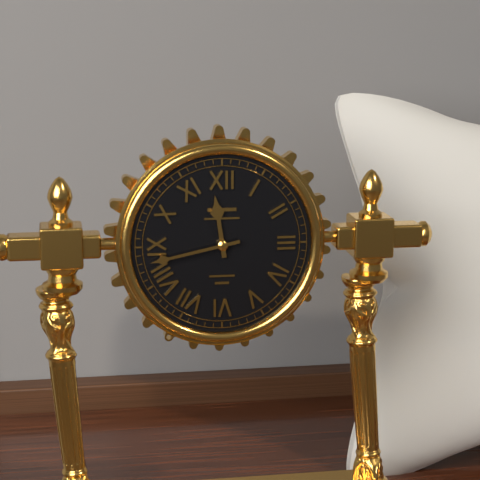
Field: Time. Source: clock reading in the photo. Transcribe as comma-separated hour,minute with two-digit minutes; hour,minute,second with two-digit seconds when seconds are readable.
11,43
